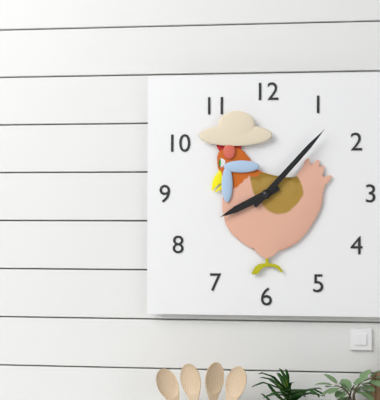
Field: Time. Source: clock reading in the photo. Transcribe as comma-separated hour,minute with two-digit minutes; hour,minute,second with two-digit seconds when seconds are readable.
8,07
